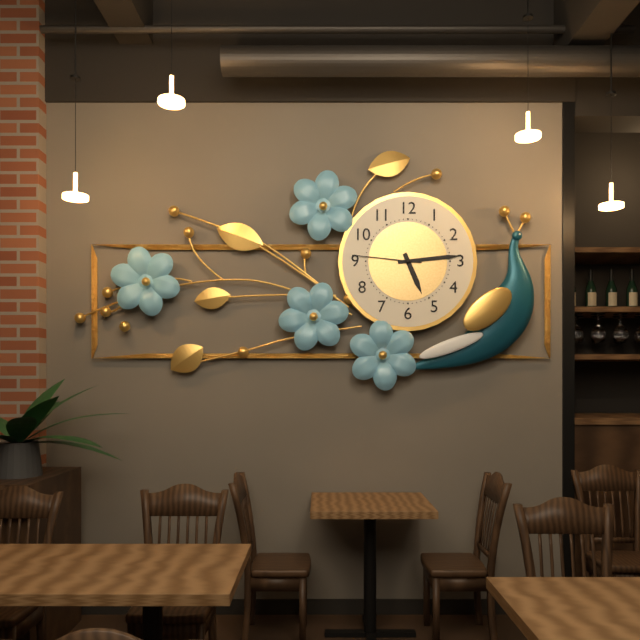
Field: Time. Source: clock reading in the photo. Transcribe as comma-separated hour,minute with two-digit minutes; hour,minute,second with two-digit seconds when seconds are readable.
5,14,46
